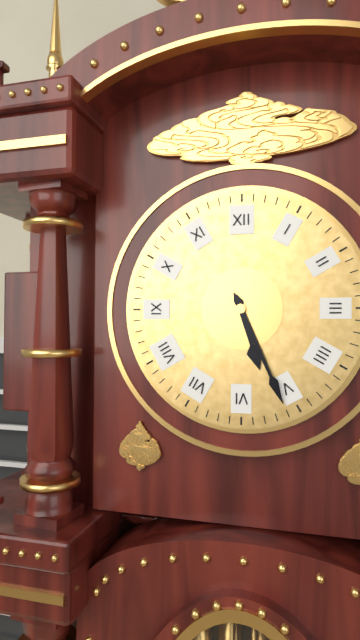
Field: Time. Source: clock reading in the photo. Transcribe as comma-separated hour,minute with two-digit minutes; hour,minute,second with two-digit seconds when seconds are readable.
5,26
